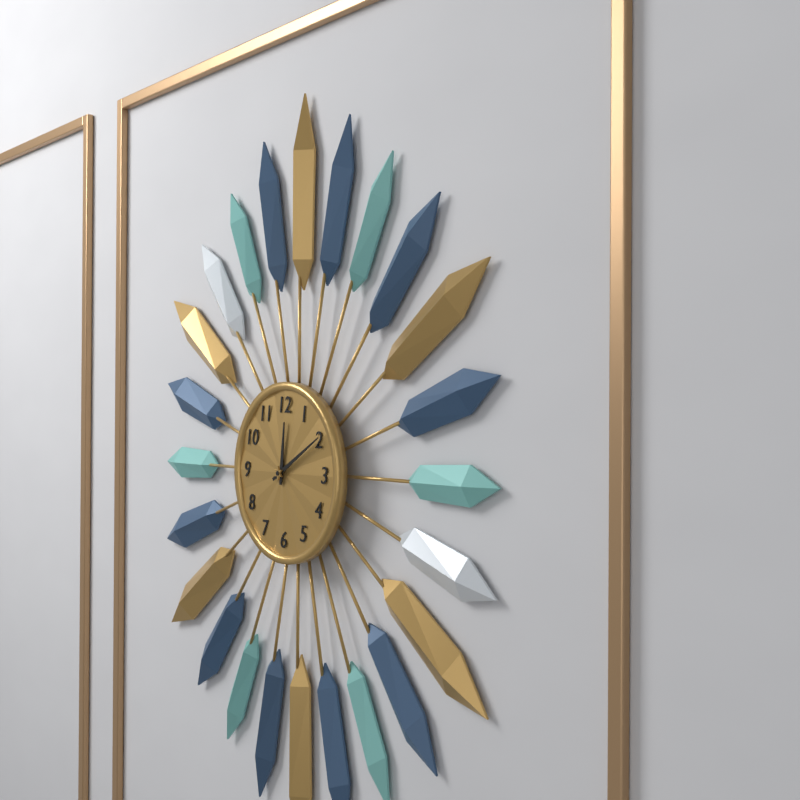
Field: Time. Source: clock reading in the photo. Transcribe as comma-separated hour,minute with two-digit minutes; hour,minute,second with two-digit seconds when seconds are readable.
12,10
